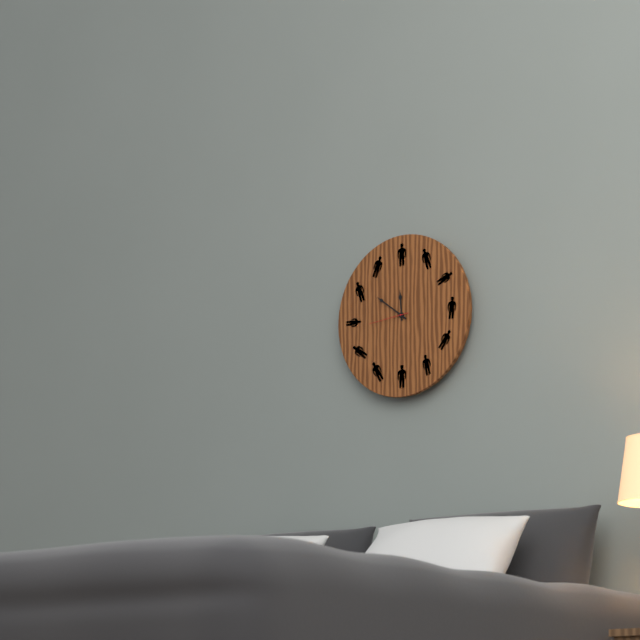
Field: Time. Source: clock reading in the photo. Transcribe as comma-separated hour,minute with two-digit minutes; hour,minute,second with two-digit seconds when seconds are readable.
11,51
